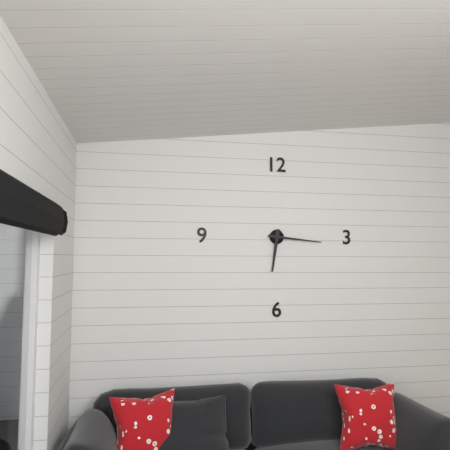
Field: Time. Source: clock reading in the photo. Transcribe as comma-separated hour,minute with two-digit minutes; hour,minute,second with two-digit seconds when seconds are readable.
6,16
